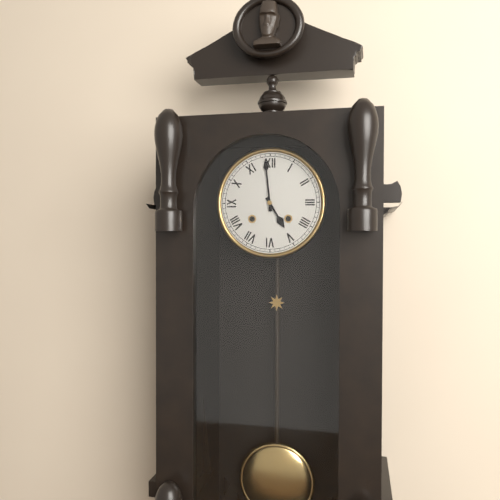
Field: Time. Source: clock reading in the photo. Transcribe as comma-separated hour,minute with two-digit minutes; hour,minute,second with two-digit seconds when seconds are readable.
4,59
